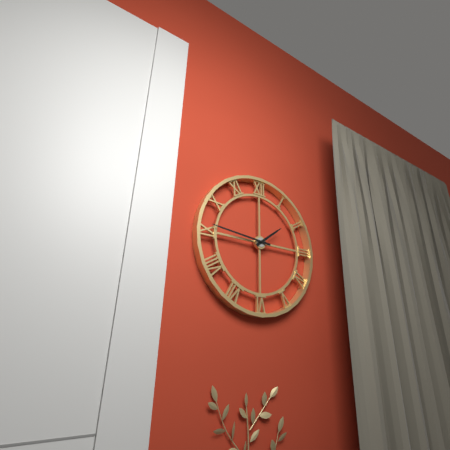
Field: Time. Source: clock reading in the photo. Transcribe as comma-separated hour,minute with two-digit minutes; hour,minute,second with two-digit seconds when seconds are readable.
1,46
